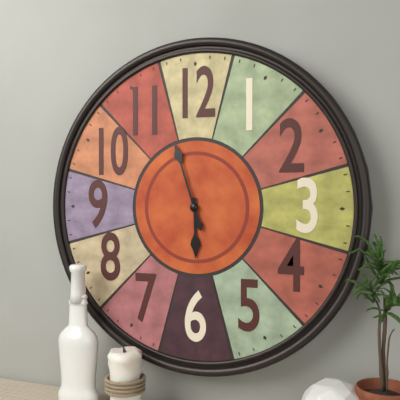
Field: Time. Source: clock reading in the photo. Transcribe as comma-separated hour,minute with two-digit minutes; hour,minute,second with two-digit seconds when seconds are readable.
5,57
